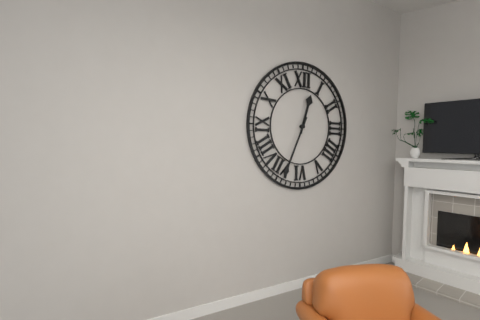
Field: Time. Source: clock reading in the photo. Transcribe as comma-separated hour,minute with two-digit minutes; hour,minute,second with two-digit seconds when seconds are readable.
12,34
